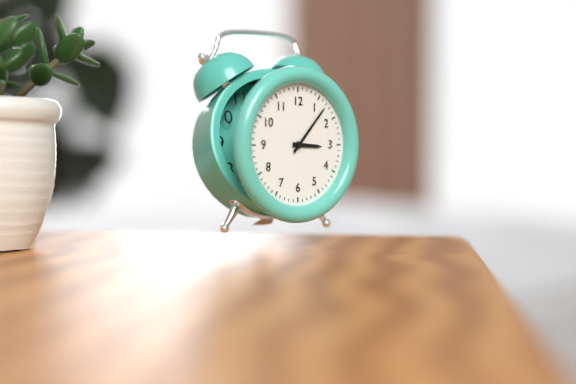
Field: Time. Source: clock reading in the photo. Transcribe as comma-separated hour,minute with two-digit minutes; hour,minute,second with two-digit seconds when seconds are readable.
3,07
